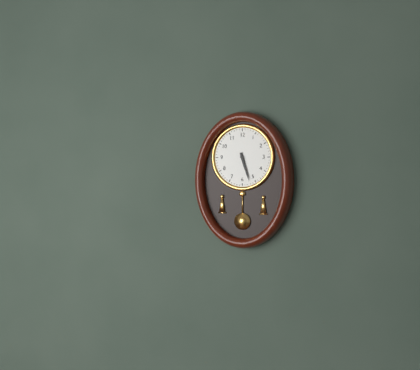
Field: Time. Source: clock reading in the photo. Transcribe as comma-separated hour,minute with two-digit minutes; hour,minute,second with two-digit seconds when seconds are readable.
5,27
